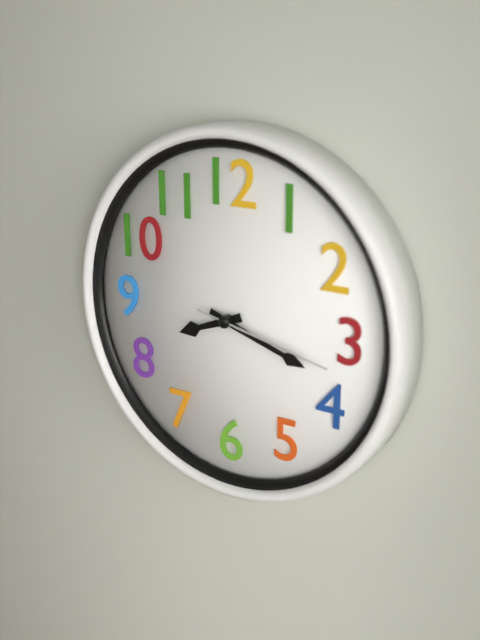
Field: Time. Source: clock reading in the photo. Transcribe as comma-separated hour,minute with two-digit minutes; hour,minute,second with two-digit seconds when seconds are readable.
8,18,17
